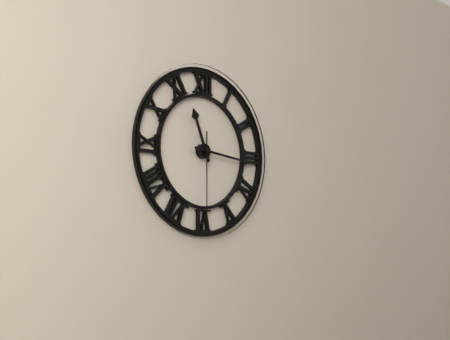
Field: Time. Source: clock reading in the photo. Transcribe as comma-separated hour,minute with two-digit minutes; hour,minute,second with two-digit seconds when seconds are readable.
11,16,30
